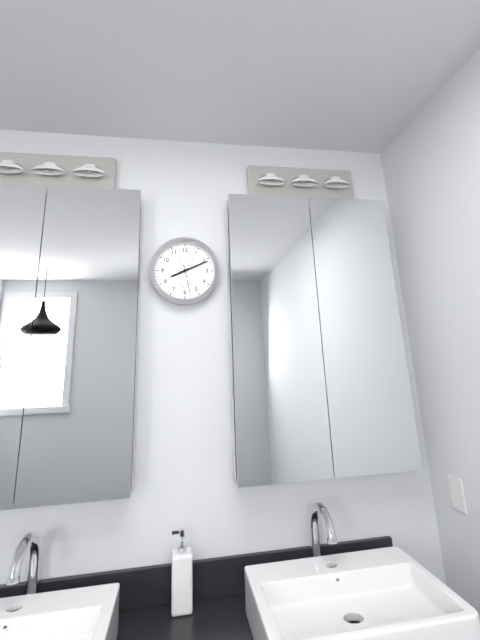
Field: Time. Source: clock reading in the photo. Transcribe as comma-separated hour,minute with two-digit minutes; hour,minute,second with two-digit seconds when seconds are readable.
8,11
